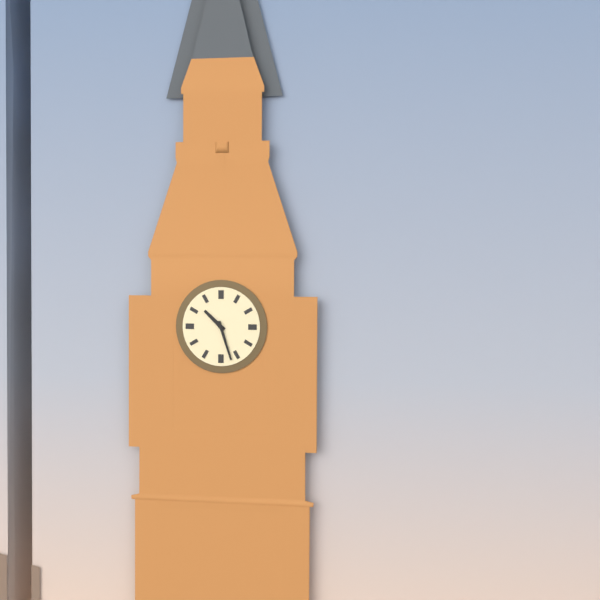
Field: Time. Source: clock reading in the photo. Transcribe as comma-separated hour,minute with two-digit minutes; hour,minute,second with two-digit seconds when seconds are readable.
10,27
